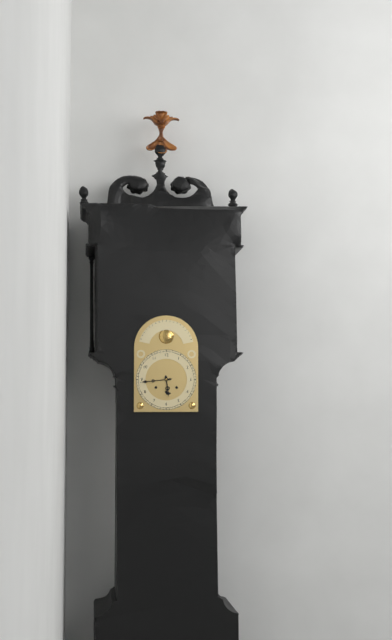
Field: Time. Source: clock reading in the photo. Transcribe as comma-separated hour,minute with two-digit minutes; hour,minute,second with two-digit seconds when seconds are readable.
5,44
